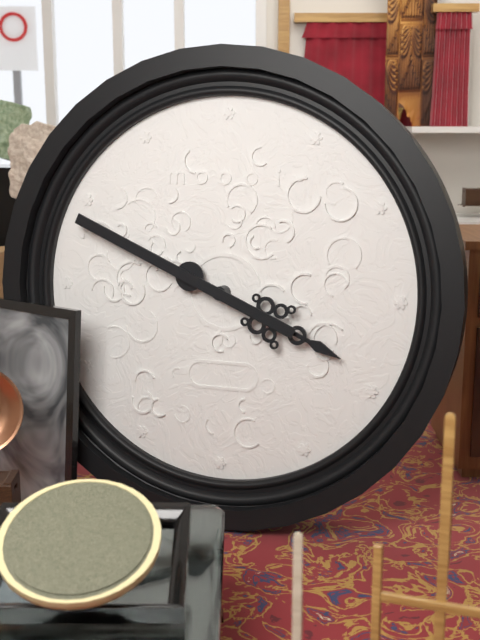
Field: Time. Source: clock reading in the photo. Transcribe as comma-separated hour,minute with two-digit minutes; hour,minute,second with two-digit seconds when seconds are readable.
3,49
